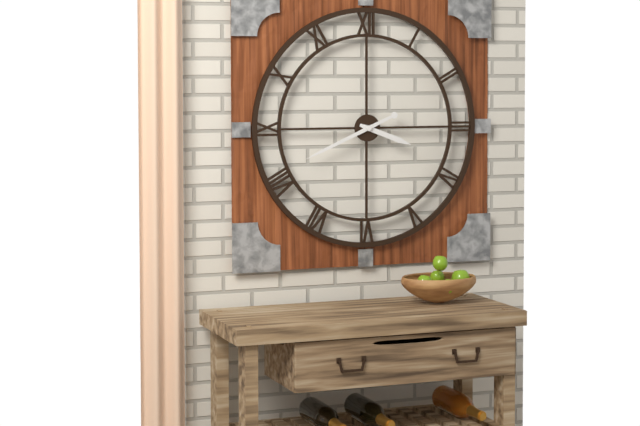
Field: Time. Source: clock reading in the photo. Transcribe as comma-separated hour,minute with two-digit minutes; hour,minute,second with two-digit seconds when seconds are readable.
3,41
